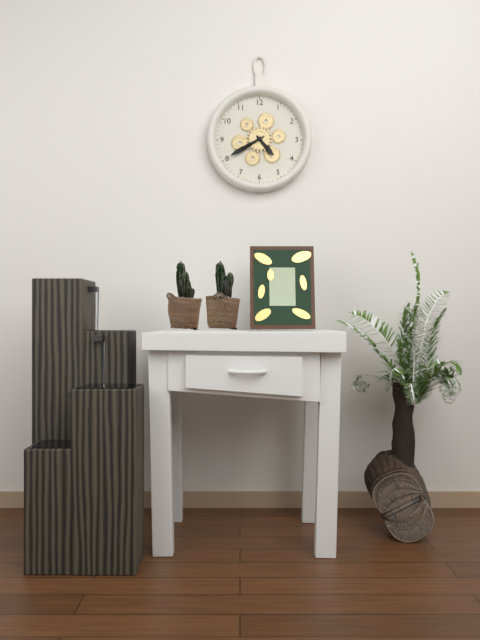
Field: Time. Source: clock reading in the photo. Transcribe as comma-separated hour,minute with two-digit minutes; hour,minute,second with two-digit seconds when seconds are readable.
4,40
